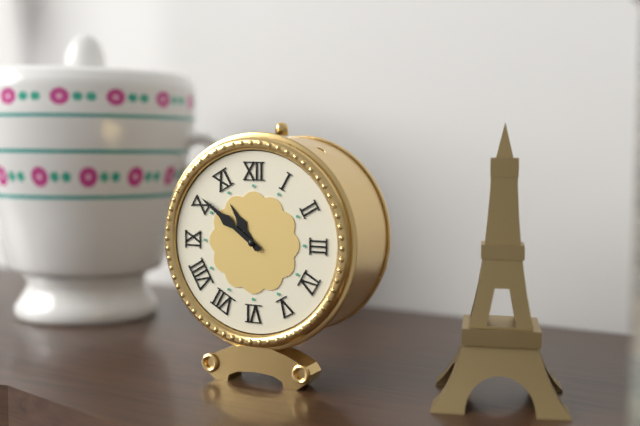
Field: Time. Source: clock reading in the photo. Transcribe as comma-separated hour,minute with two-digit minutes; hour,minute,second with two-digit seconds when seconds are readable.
10,51
